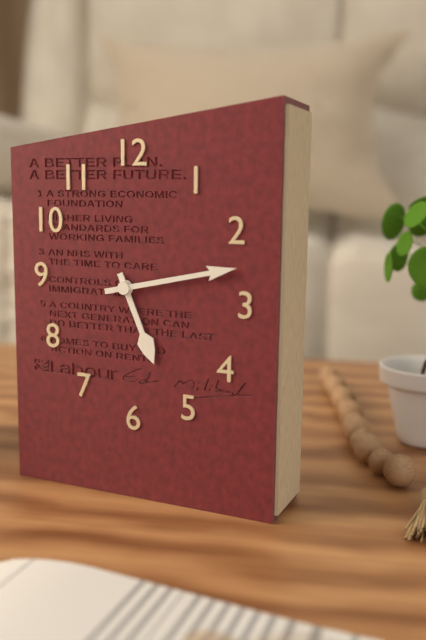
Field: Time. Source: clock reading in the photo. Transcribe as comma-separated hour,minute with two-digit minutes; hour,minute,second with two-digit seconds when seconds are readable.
5,13
